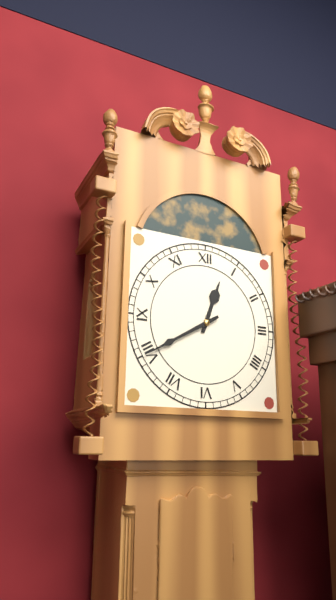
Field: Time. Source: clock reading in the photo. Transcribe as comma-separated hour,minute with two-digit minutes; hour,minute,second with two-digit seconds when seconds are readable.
12,40
